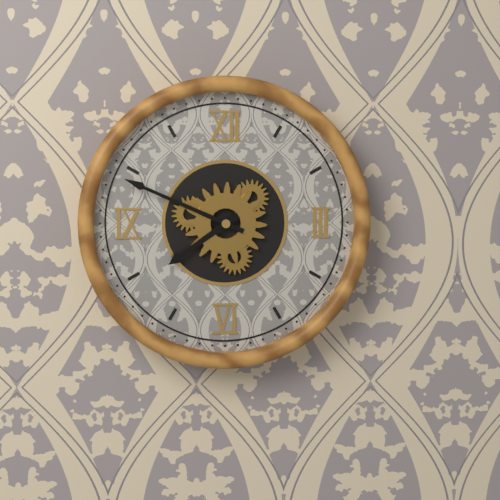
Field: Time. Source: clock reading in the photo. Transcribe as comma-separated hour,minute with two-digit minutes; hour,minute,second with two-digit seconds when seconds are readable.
7,49
